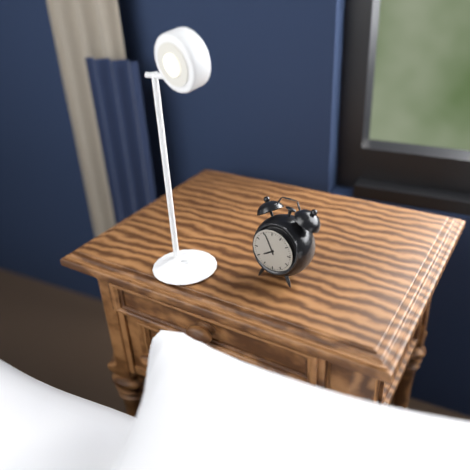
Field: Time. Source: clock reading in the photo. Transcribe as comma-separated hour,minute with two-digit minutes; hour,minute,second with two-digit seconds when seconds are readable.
7,56
